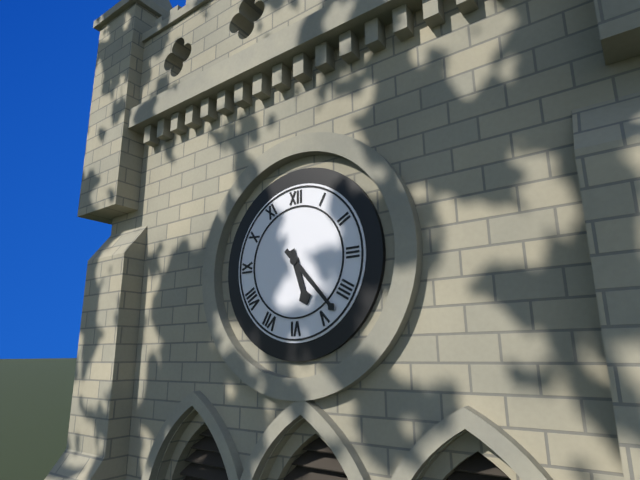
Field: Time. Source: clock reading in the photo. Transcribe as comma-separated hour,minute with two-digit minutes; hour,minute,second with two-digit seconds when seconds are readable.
5,23
